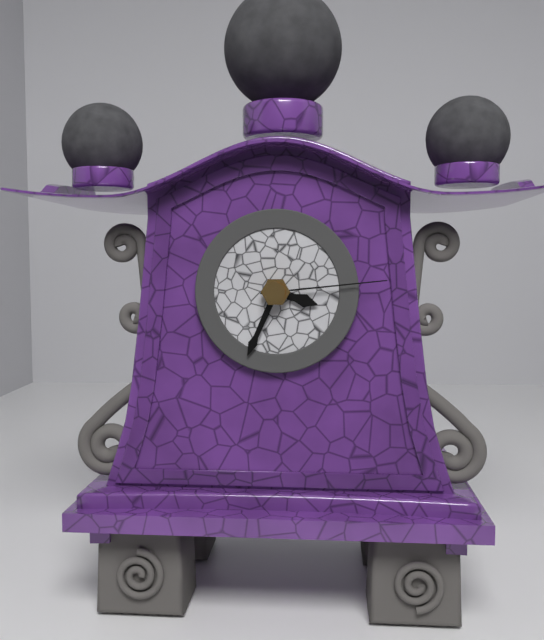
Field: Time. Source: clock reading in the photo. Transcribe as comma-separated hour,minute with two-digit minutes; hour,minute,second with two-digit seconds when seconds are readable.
3,34,14
